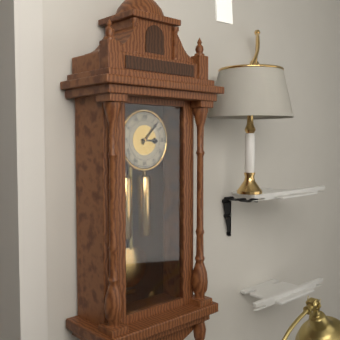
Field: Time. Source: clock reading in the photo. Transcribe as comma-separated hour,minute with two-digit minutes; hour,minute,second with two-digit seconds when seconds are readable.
3,07
